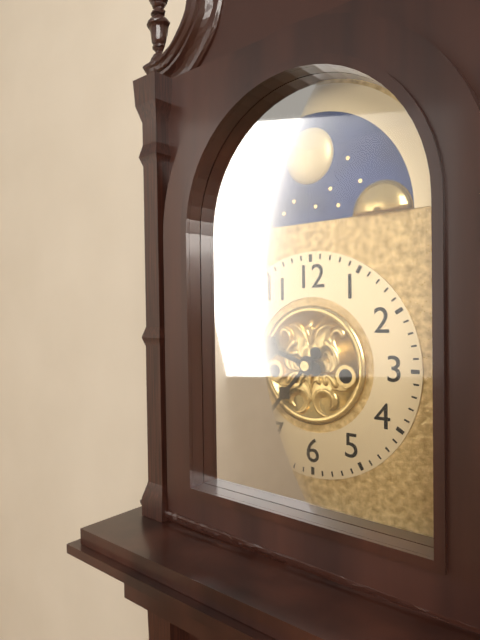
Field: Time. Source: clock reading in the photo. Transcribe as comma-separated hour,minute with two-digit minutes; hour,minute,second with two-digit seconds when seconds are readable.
9,37
